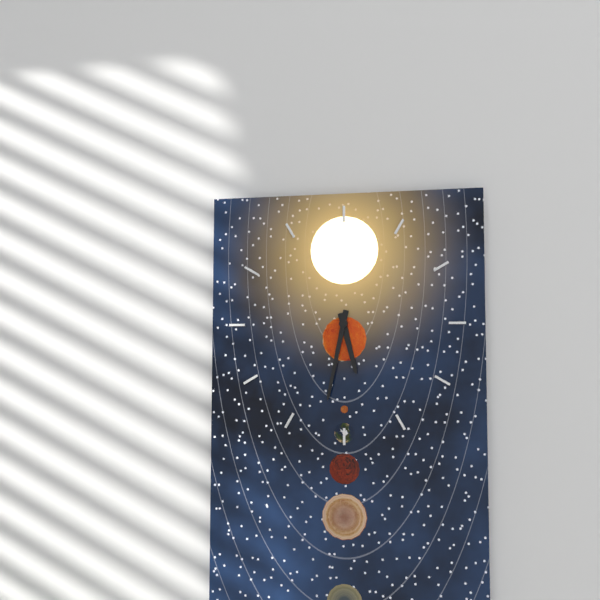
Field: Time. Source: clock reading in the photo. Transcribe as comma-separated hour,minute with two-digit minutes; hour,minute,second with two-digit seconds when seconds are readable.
5,32
